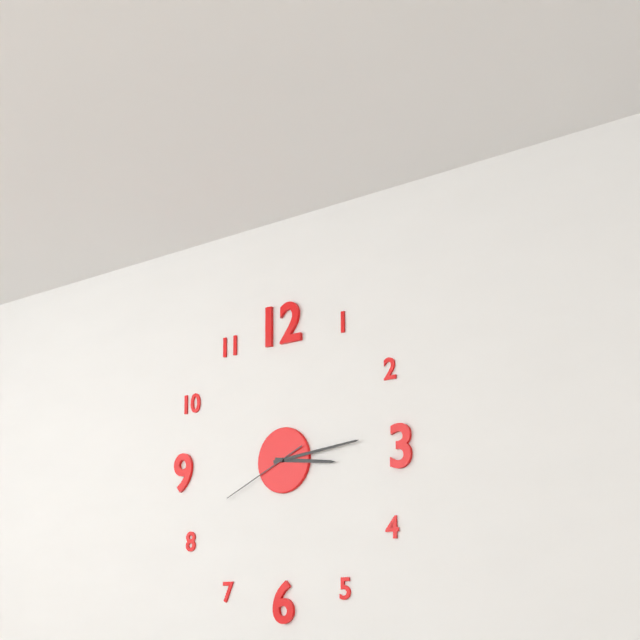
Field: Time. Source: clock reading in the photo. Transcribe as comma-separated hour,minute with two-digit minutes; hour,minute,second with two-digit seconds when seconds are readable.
3,14,41
